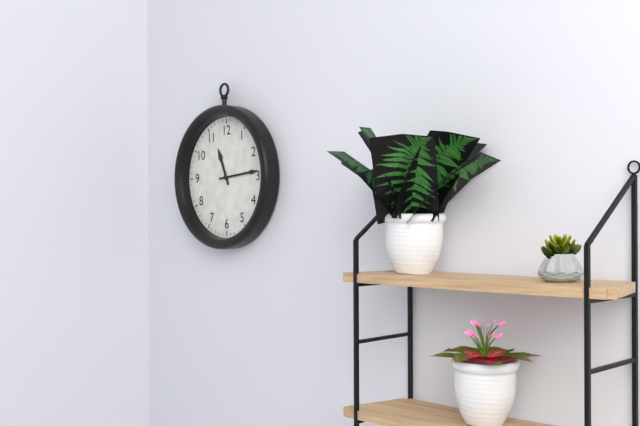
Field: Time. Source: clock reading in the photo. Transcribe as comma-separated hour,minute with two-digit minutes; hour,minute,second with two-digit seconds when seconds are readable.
11,14
